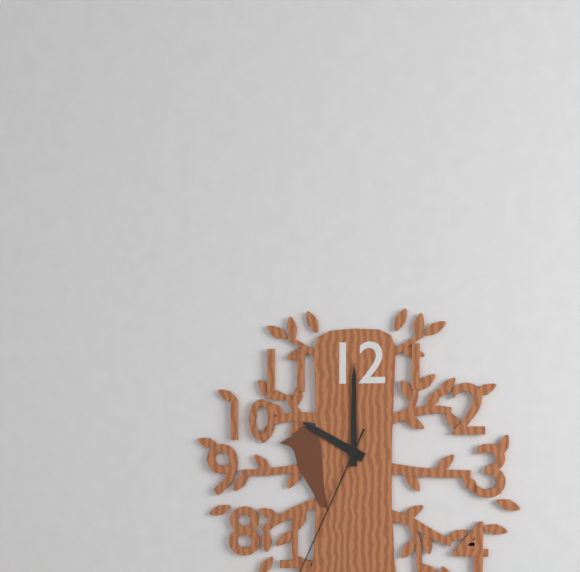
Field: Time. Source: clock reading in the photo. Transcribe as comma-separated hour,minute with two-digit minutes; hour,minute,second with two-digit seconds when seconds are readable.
10,00
